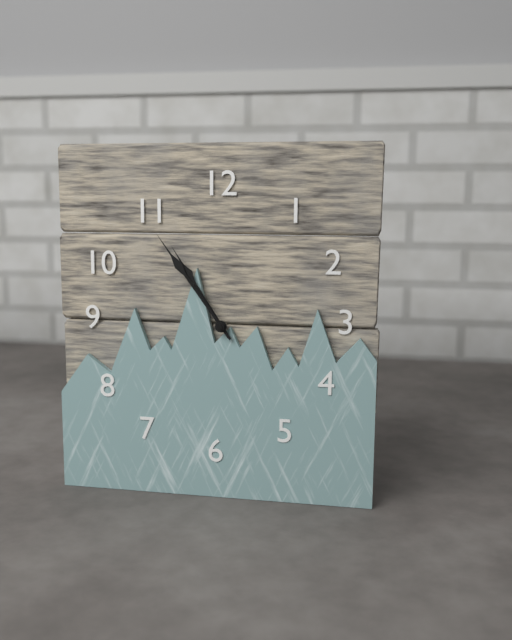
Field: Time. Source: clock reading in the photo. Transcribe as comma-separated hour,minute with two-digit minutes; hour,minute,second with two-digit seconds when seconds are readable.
10,54
